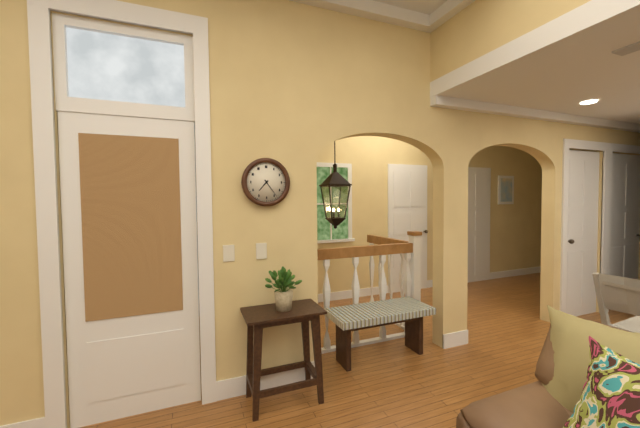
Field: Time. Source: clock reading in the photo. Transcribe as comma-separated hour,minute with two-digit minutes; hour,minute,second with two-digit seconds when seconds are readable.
7,24
